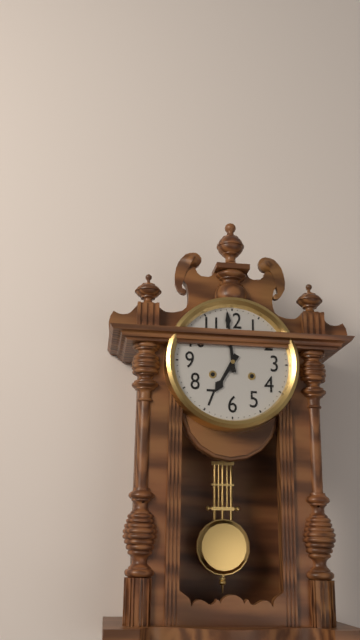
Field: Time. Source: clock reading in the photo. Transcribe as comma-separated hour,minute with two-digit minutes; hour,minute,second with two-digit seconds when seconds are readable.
6,59
